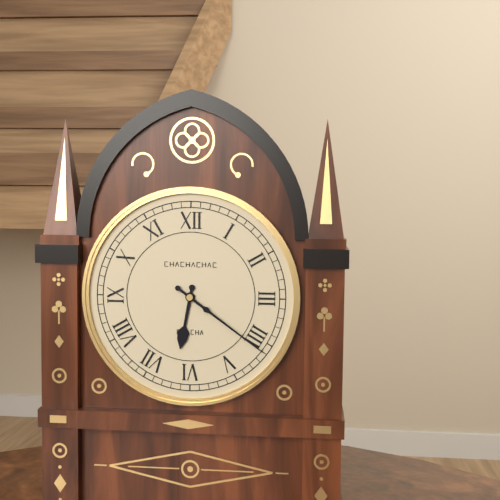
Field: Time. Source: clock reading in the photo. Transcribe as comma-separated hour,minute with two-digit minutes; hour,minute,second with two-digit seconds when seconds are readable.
6,21
